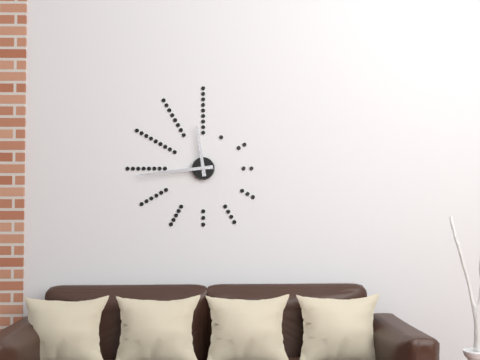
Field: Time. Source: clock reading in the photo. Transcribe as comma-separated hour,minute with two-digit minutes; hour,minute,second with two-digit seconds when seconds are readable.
11,44
